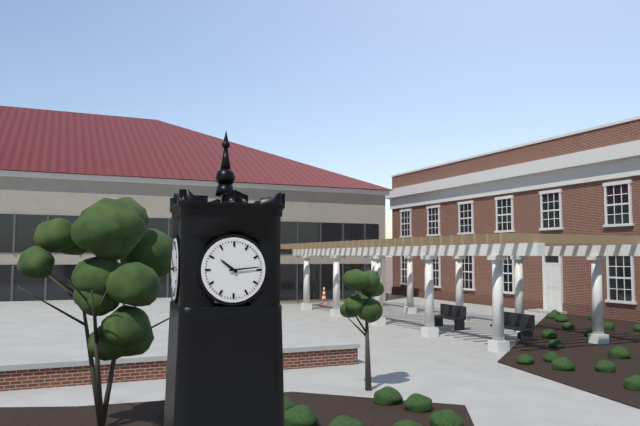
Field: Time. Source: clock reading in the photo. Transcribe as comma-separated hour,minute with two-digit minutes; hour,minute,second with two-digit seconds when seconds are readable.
10,14
